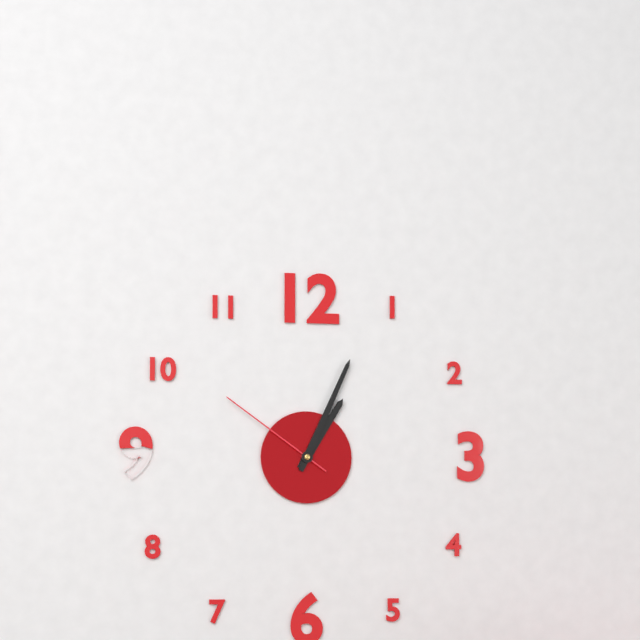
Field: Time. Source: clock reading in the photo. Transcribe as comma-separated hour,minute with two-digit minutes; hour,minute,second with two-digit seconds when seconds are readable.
1,04,51
